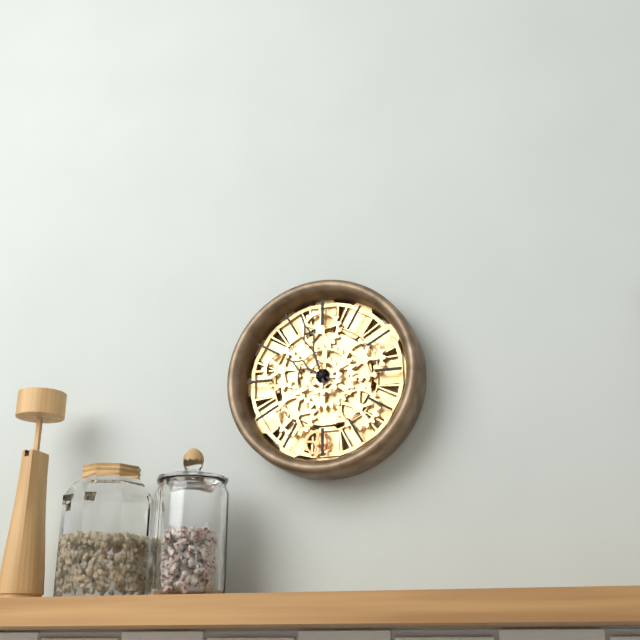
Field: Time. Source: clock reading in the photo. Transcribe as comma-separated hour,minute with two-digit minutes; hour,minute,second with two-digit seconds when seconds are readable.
9,57
